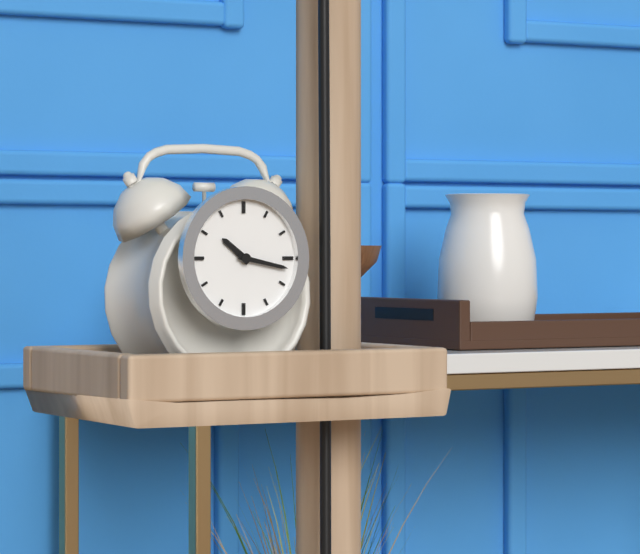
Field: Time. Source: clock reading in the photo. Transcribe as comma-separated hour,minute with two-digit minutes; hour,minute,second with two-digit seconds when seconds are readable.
10,17
